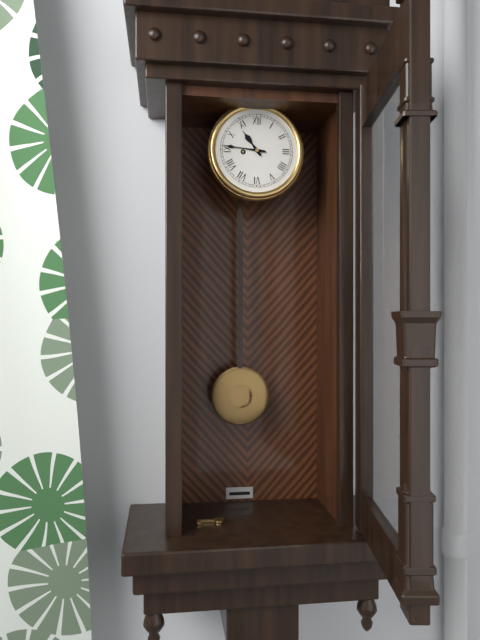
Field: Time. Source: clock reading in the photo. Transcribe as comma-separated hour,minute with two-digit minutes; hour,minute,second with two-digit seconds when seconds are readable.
10,46
